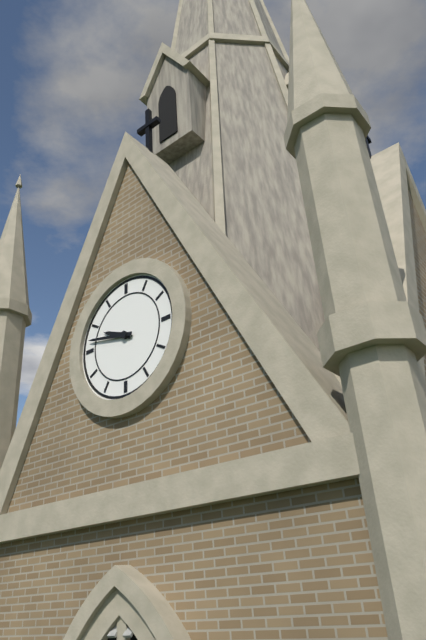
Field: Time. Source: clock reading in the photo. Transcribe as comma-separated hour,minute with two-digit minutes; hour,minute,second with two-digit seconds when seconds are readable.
9,47
